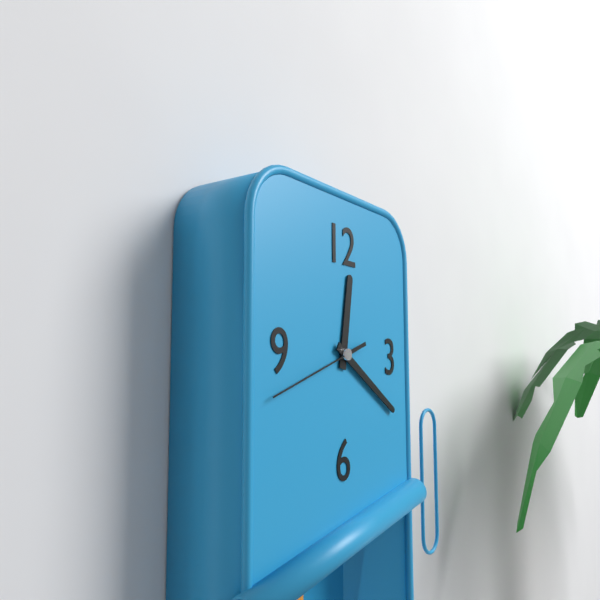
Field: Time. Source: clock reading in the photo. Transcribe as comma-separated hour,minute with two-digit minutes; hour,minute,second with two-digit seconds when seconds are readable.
12,20
